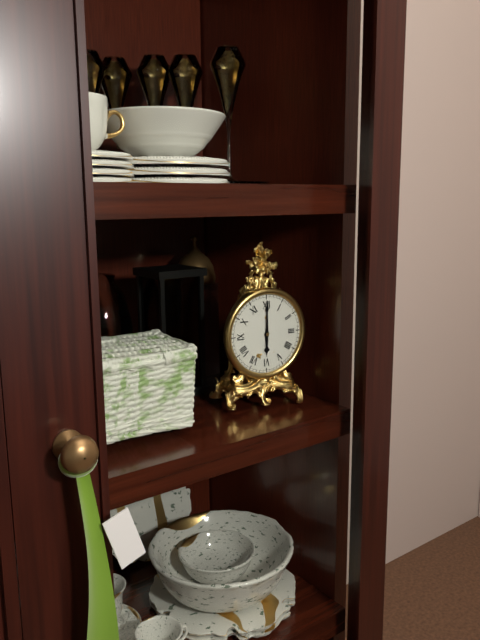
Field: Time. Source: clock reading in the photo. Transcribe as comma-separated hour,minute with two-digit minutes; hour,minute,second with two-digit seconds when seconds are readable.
6,00
